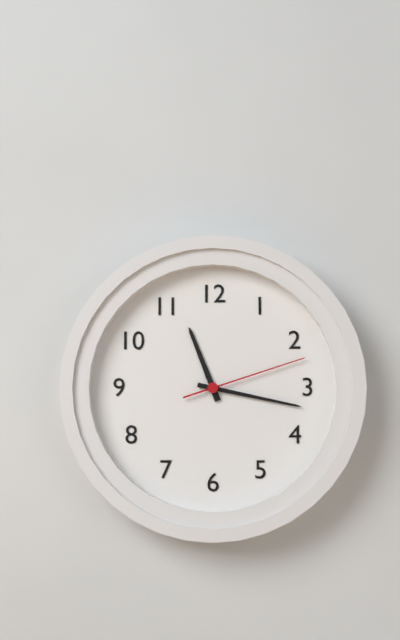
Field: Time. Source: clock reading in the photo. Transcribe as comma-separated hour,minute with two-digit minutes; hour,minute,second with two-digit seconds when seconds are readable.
11,17,12
